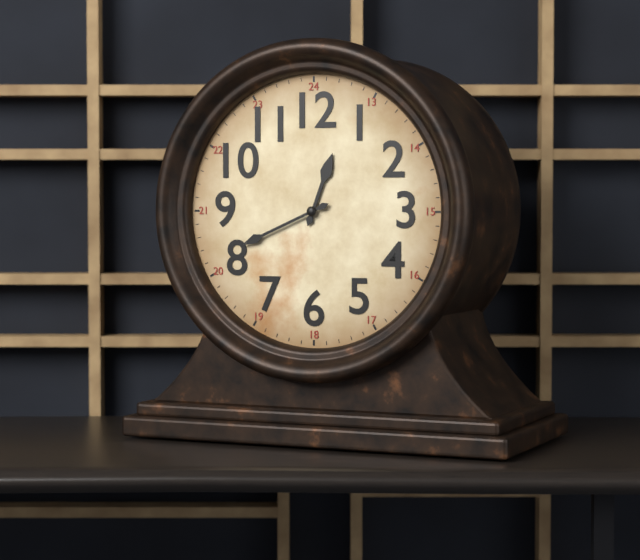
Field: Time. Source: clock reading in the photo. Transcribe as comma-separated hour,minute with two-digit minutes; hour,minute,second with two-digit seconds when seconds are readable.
12,41
